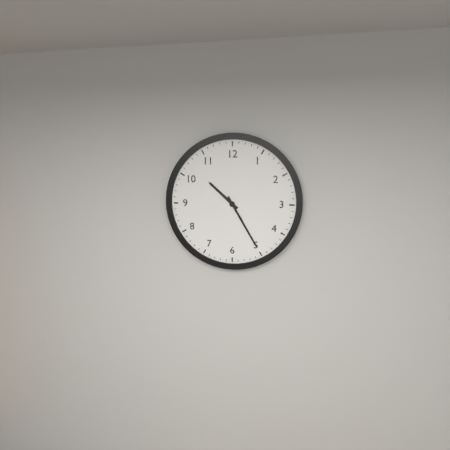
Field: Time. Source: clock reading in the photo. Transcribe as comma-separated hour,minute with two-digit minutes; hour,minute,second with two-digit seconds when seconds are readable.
10,25
